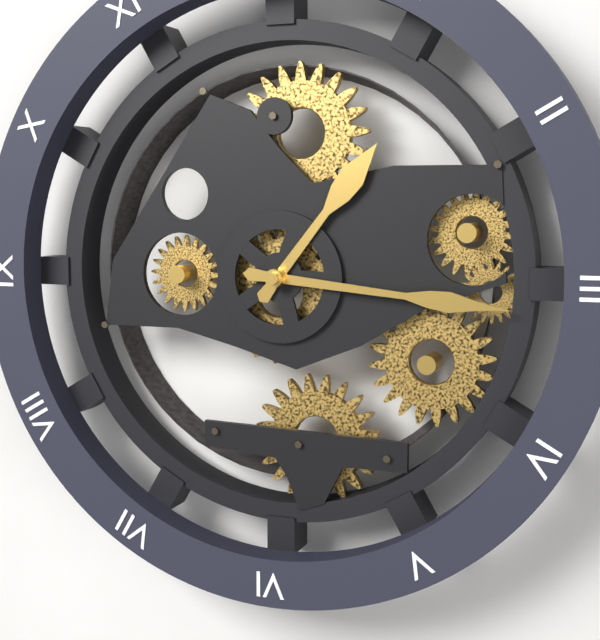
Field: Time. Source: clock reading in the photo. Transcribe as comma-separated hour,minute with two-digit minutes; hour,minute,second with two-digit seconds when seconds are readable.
1,16
